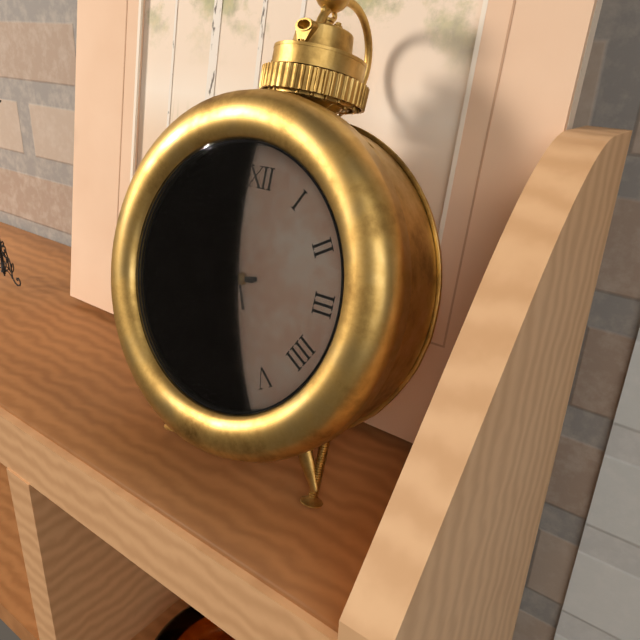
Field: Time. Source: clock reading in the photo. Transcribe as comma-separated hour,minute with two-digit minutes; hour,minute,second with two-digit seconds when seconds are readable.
8,43,56
